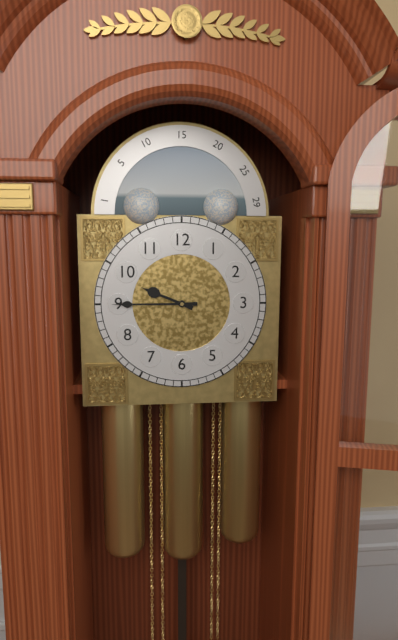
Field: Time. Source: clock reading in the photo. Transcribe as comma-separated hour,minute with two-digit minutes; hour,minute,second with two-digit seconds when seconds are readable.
9,45
